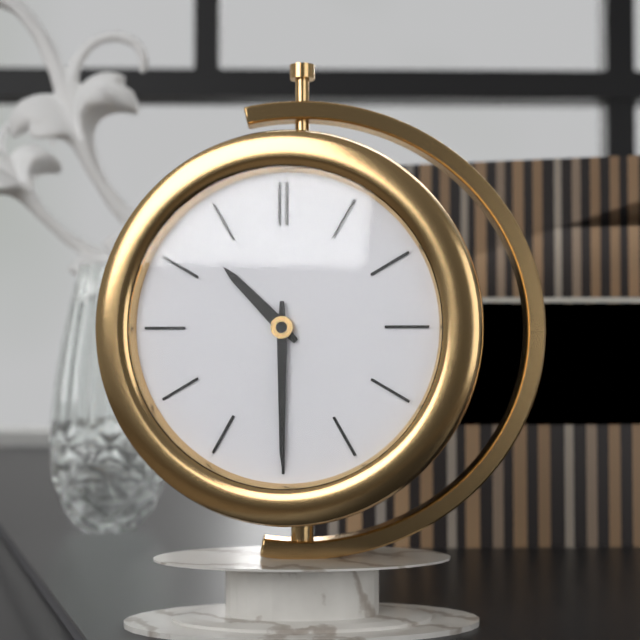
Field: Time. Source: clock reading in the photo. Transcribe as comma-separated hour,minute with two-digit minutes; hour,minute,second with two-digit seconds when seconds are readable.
10,30
